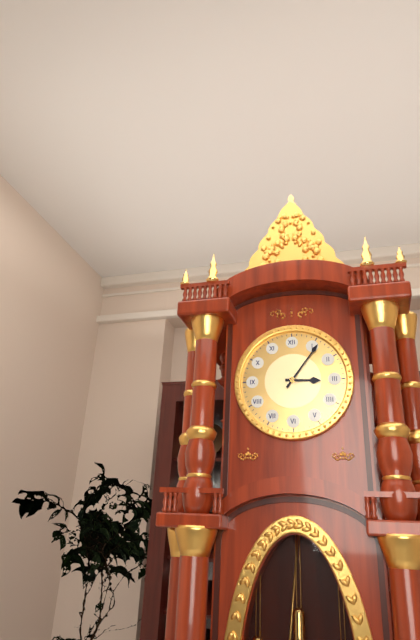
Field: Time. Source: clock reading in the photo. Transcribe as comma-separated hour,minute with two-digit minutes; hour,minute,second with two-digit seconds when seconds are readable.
3,06
